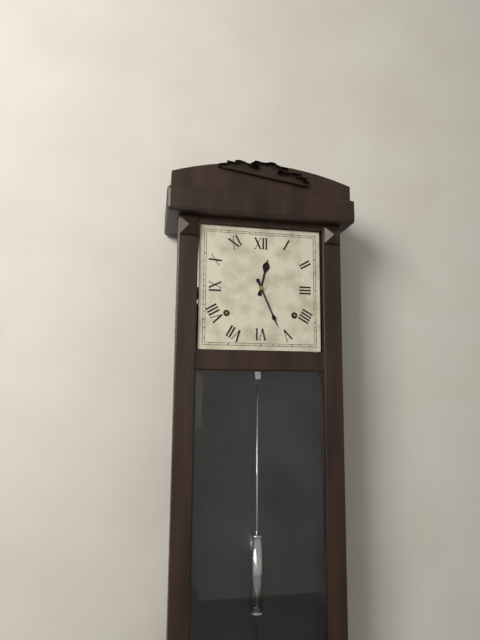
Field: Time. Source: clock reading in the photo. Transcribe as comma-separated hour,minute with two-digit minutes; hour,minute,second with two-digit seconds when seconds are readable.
12,26
